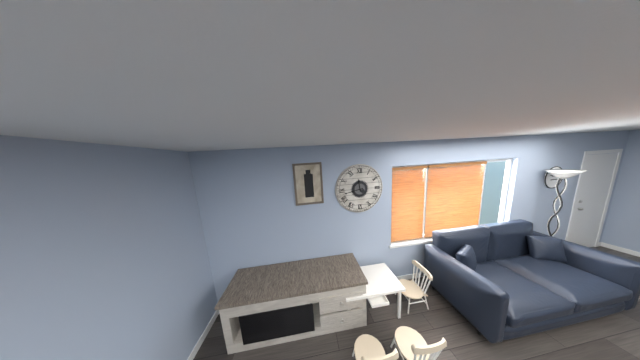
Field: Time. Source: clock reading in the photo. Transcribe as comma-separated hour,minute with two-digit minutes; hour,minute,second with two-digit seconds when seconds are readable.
11,43
